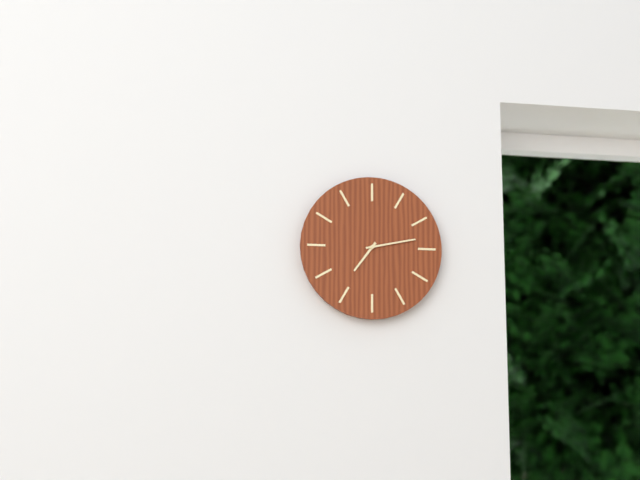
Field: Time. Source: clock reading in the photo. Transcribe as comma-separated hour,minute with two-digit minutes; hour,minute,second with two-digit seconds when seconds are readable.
7,13
